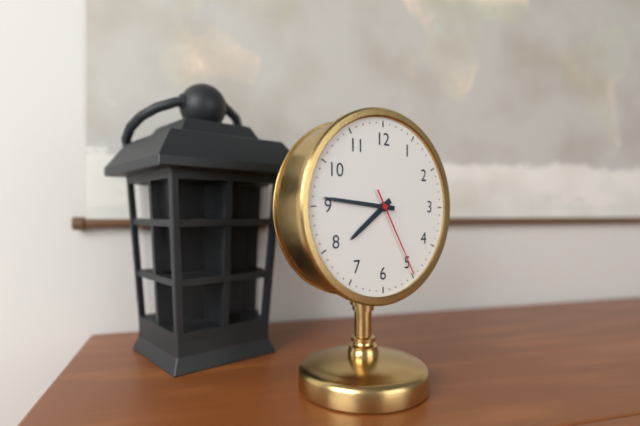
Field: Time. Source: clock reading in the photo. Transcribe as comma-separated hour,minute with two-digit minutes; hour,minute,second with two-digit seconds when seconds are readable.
7,46,25
